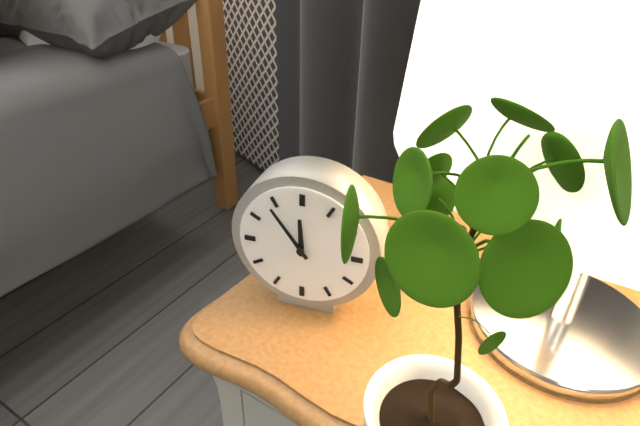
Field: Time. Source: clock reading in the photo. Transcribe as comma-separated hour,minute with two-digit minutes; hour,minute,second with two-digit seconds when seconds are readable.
11,54
